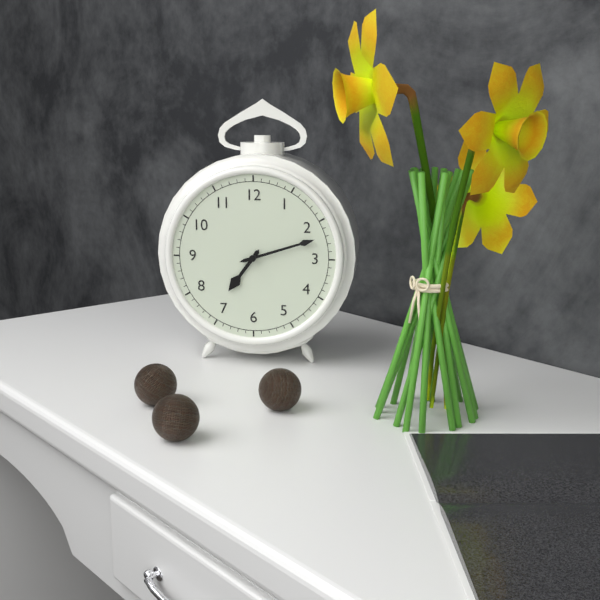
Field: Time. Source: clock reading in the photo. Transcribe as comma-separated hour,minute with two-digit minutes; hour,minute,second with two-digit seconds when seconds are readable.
7,12
